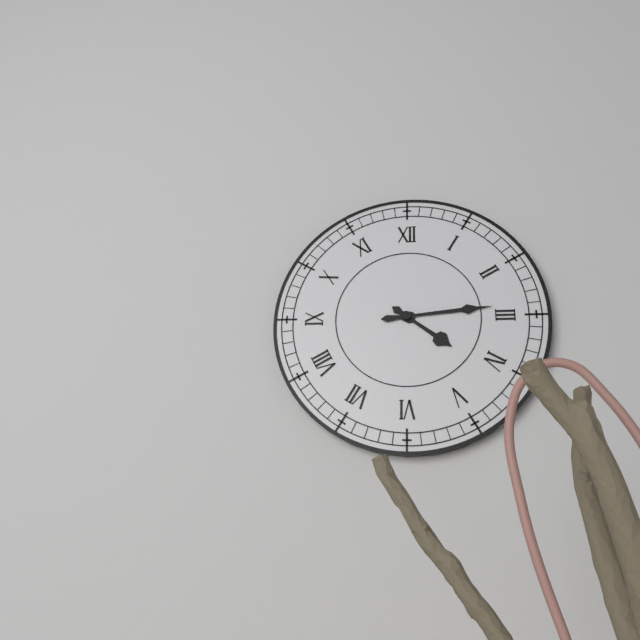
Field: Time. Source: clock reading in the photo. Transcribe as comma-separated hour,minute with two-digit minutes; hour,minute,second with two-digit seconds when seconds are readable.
4,14
